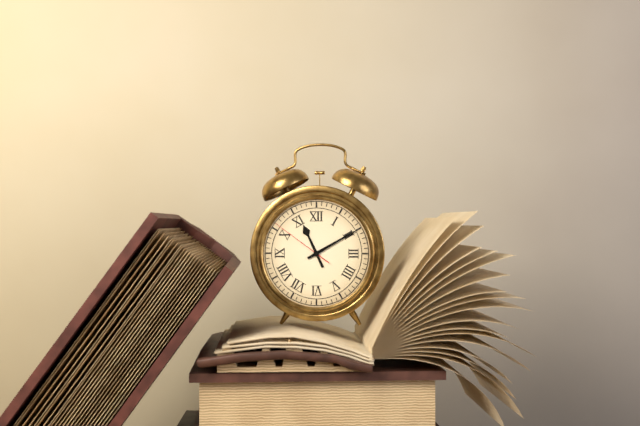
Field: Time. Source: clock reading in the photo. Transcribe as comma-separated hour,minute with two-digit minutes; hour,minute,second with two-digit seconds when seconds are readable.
11,10,51
